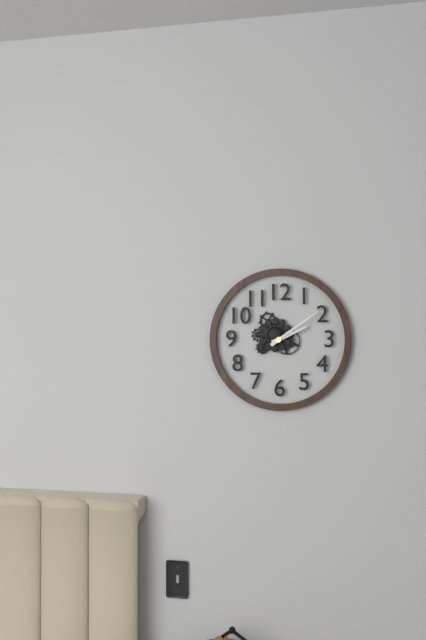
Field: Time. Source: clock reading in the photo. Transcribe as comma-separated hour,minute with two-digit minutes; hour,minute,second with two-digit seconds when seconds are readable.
2,09
